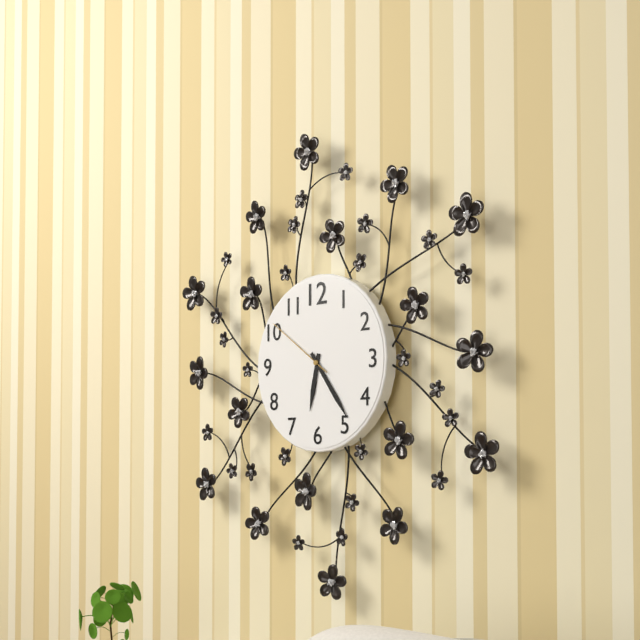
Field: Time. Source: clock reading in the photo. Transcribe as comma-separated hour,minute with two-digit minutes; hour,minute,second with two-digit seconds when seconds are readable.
6,24,51
